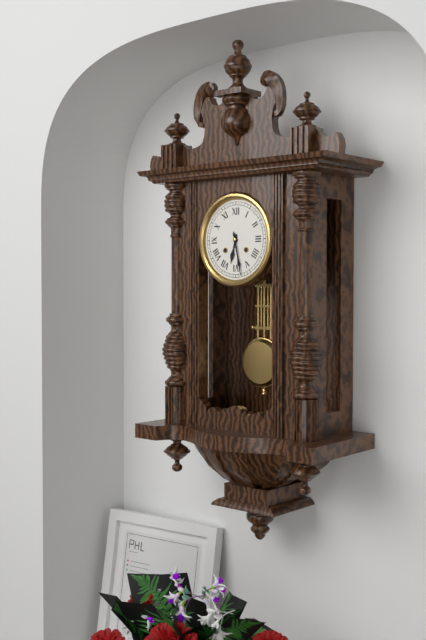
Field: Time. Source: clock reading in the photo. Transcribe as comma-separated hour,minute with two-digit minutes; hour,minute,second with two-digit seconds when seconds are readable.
6,28
